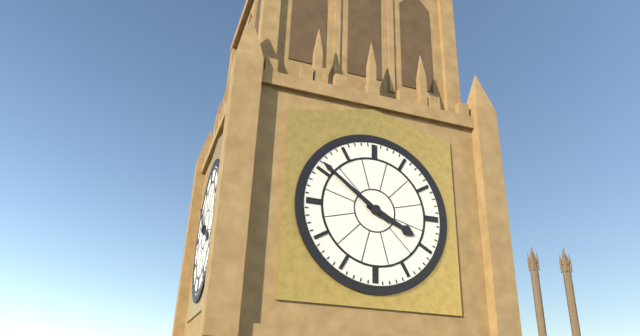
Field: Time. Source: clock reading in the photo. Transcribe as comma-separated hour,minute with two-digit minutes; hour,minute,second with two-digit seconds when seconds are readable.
3,51
